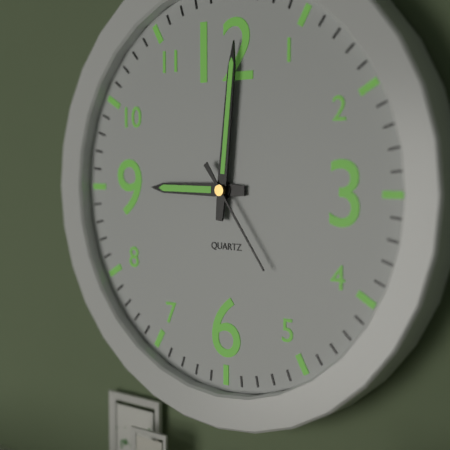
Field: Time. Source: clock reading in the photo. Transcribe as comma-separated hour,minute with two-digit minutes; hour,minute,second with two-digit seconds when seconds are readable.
9,01,24
